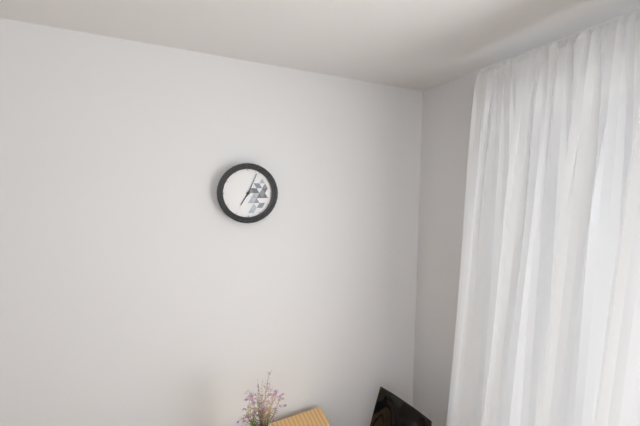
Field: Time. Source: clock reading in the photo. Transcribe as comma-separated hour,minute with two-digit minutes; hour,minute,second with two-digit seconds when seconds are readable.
7,04
